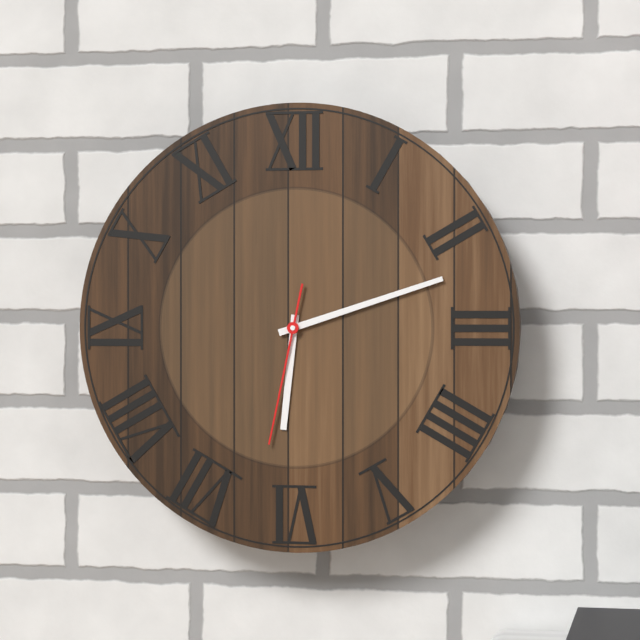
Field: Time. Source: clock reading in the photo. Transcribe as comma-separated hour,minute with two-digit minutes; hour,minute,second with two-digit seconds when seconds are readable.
6,12,32
